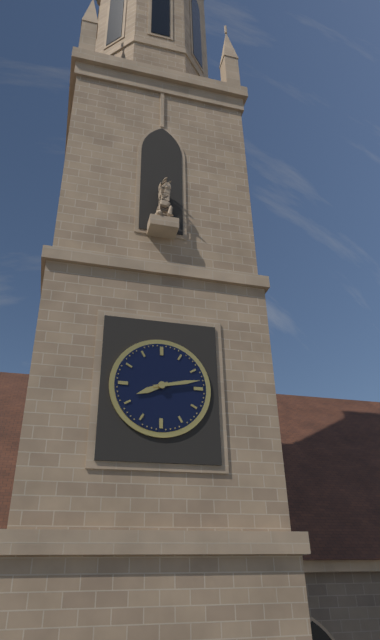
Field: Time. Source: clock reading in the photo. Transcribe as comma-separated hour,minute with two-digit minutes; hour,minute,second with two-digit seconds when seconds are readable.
8,13
